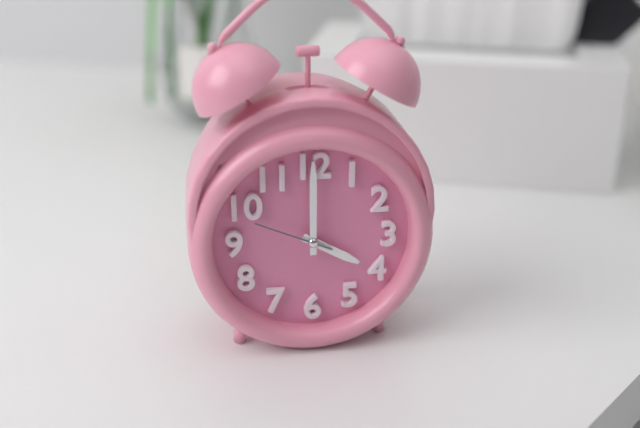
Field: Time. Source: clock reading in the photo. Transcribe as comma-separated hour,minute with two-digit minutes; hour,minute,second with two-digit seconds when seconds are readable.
4,00,49
